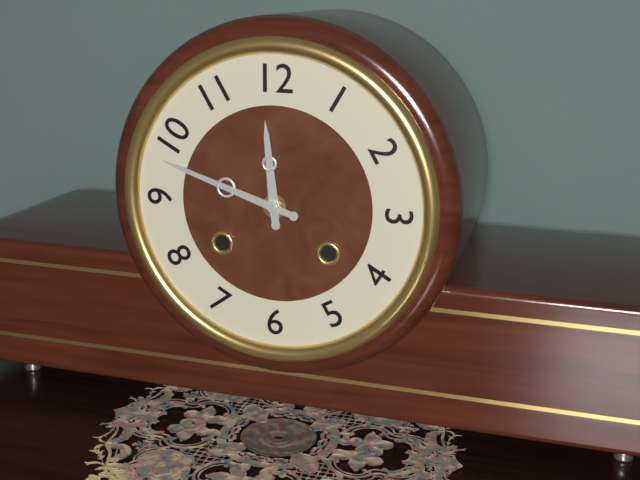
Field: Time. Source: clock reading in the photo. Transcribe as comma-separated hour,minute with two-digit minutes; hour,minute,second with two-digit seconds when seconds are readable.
11,48
